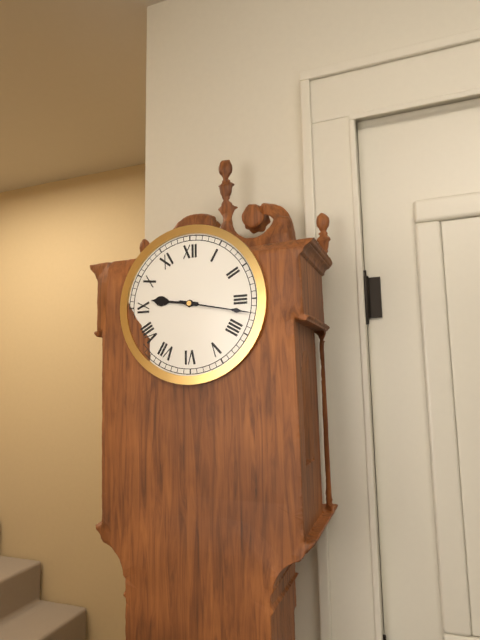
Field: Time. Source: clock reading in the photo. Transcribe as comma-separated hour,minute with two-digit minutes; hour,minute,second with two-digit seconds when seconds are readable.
9,17
